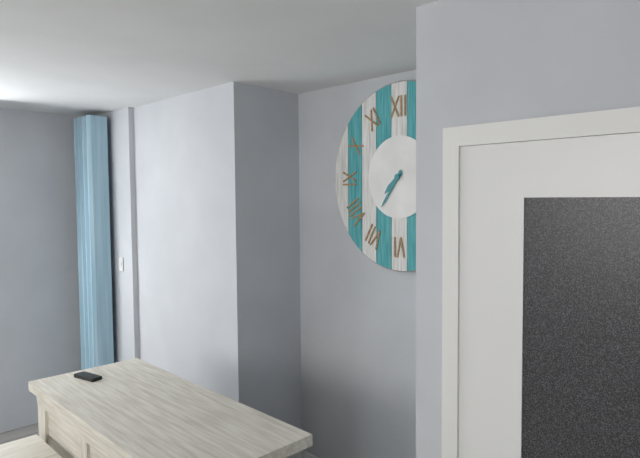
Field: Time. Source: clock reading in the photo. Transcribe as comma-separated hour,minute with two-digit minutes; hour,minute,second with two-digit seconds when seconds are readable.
7,36
